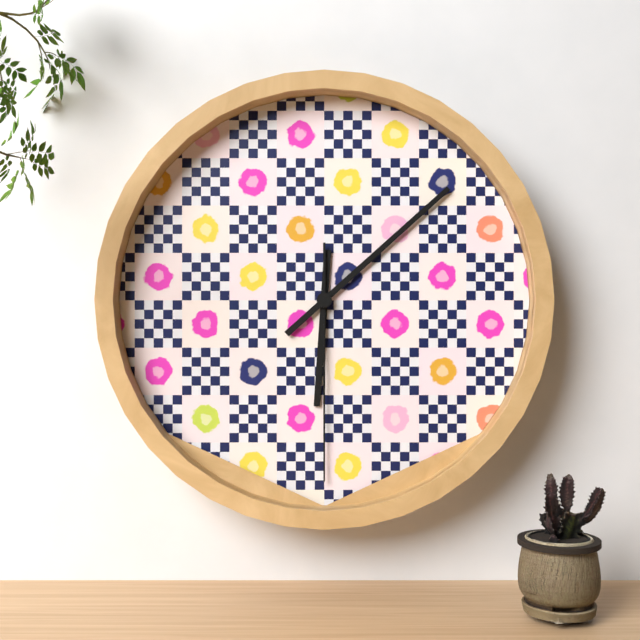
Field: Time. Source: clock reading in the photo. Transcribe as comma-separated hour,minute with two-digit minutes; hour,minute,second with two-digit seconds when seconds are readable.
6,08,30
